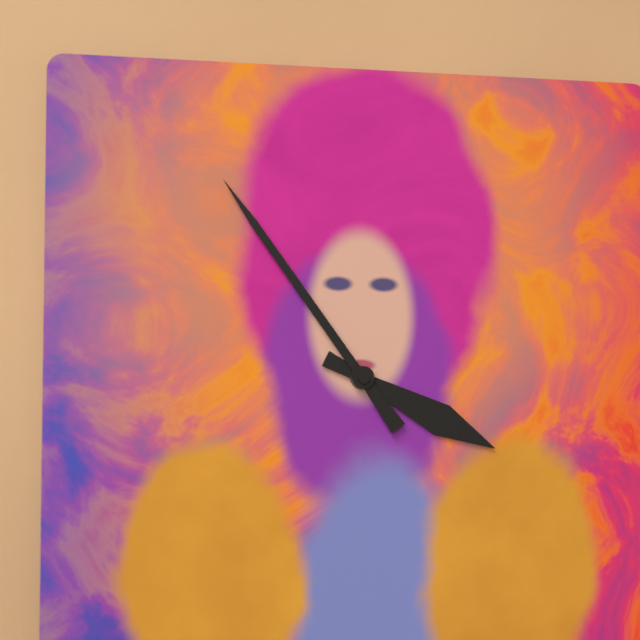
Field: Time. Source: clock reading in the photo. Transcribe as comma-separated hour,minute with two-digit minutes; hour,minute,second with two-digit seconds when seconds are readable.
3,54
